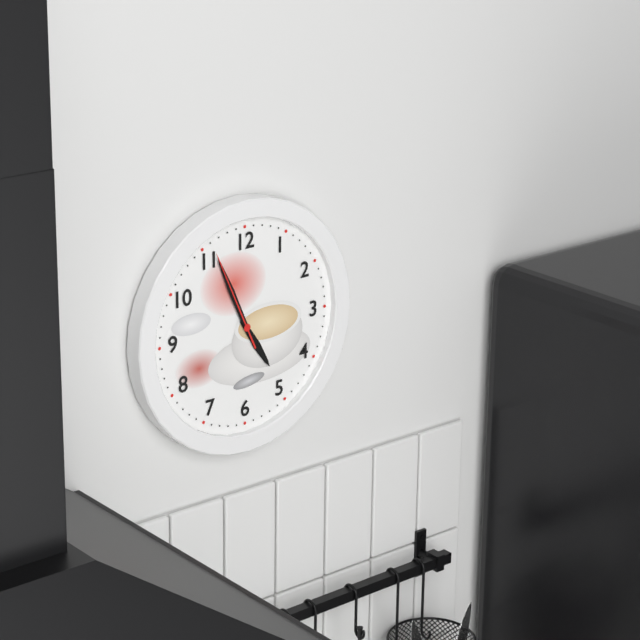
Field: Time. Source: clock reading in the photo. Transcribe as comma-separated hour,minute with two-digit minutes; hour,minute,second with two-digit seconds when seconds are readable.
4,56,56
